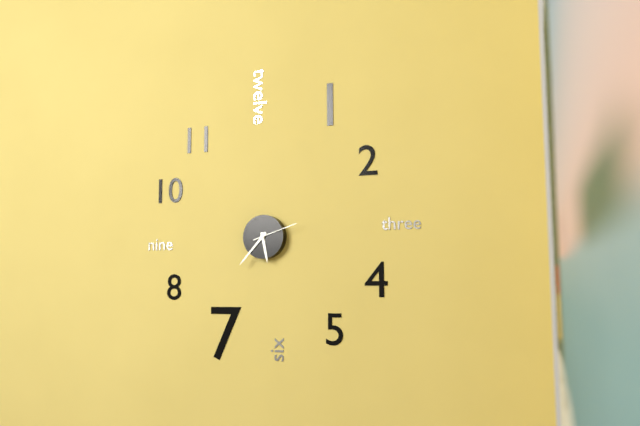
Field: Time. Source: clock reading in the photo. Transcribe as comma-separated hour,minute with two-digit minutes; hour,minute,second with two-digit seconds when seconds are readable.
5,37
